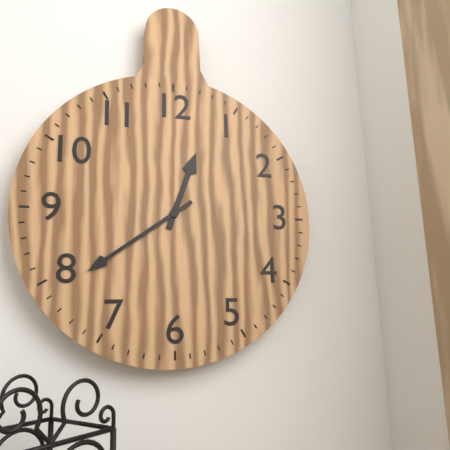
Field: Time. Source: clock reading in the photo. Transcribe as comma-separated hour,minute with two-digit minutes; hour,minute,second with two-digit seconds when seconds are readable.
12,39
